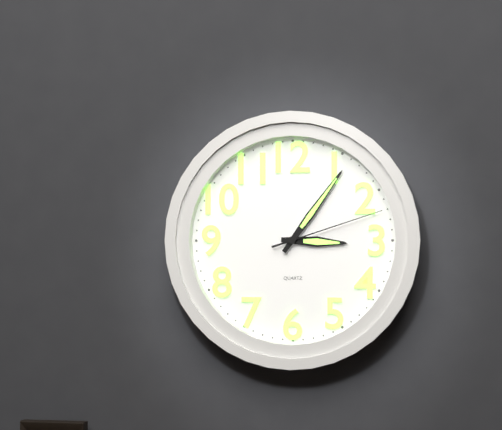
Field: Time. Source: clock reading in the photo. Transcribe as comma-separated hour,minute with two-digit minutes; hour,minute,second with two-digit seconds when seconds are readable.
3,06,12
